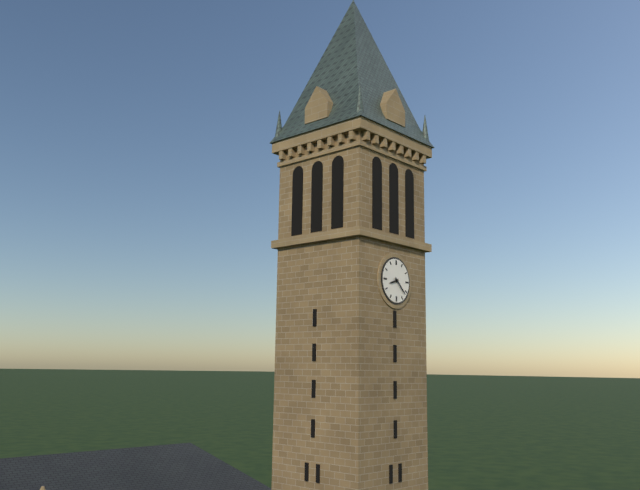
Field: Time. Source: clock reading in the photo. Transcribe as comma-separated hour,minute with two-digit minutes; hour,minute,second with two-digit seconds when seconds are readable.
8,22
